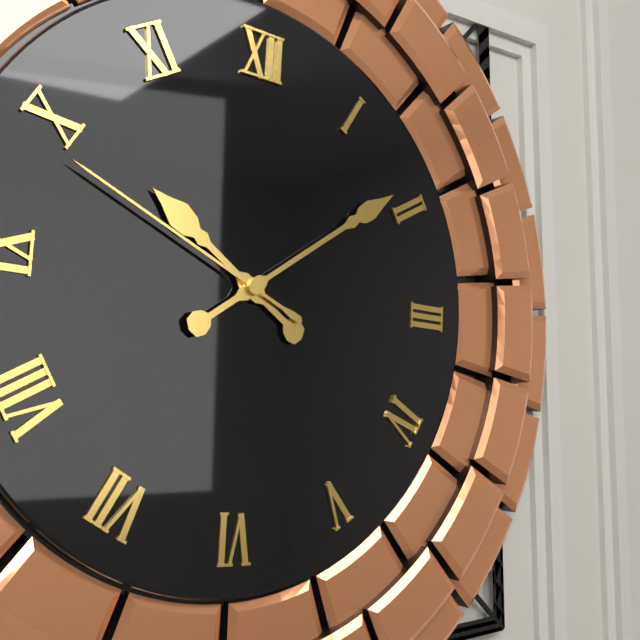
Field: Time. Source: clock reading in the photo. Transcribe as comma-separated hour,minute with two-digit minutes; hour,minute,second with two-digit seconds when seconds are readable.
10,09,49
